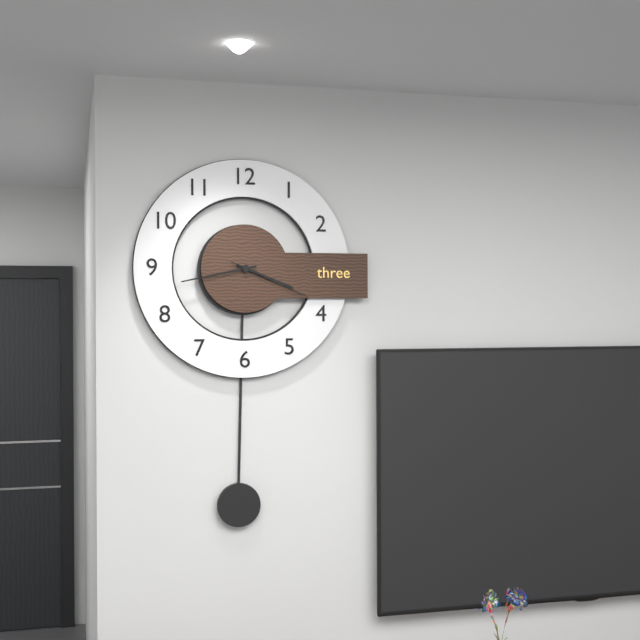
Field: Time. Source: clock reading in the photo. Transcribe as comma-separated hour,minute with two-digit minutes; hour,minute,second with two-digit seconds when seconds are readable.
3,43,19
